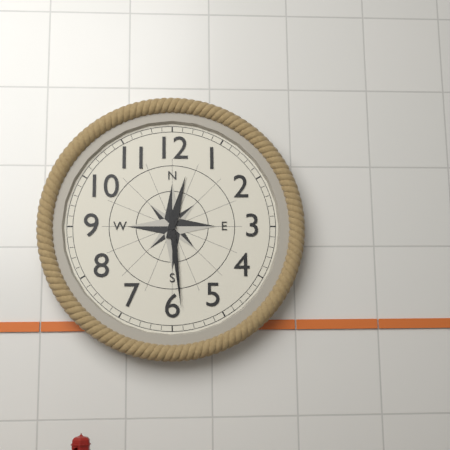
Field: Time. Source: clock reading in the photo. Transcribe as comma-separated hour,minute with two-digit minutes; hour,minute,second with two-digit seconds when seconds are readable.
12,29
